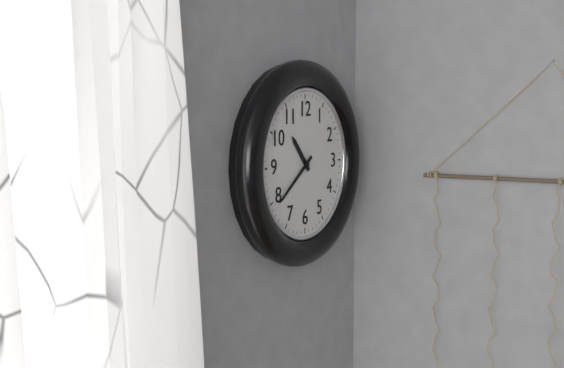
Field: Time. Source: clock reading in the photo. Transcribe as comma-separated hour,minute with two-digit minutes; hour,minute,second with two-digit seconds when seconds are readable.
10,39
